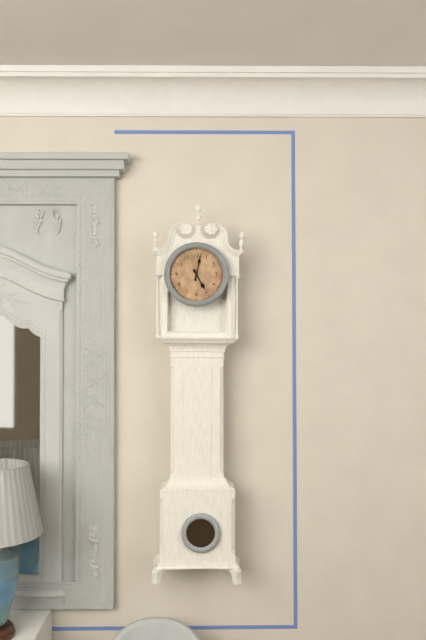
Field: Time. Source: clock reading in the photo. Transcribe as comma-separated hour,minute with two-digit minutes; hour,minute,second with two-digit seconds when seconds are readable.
5,02
